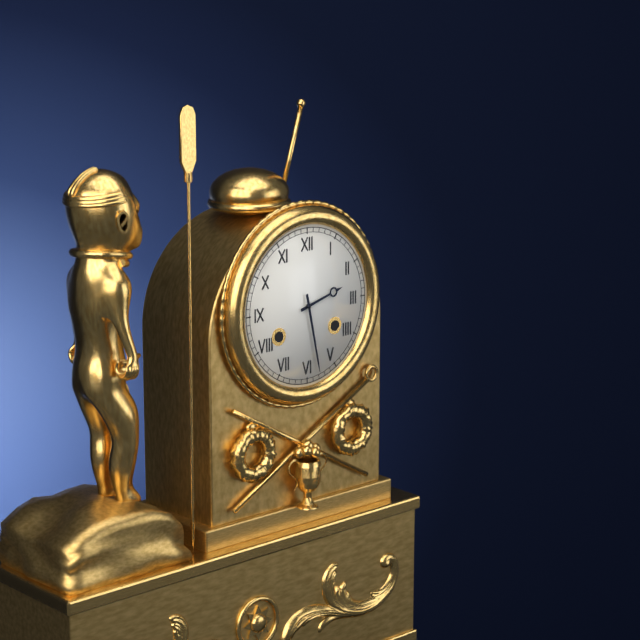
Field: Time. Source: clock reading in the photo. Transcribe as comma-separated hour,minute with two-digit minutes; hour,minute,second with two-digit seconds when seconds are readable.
2,28
